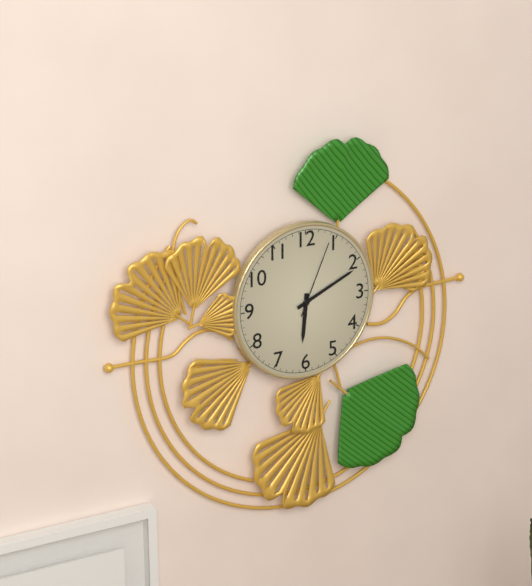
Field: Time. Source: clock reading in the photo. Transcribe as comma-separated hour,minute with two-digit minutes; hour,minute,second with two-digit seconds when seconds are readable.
6,11,04
